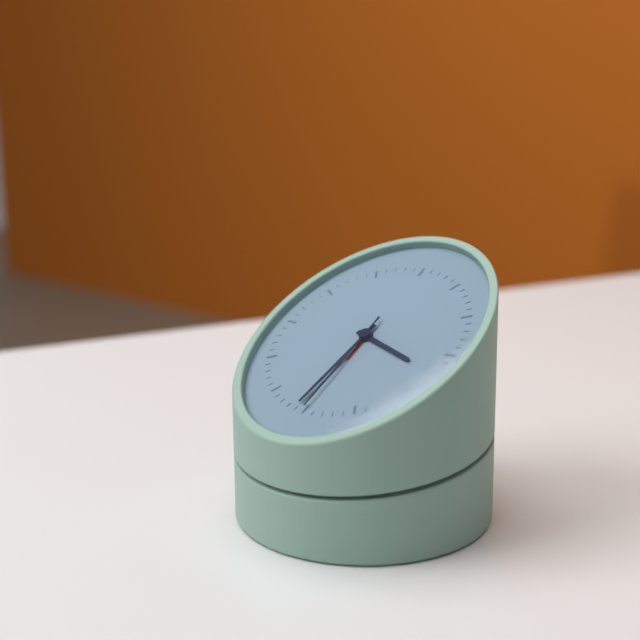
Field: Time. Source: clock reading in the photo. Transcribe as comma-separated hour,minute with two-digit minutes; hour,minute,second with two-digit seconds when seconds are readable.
3,31,30
